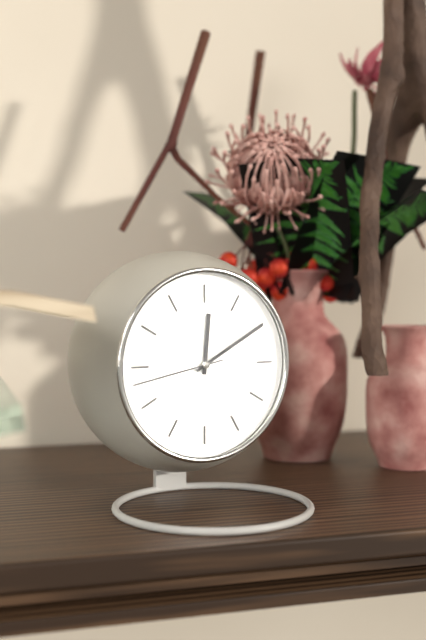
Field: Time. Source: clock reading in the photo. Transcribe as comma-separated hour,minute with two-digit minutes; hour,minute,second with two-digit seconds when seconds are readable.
12,10,43
